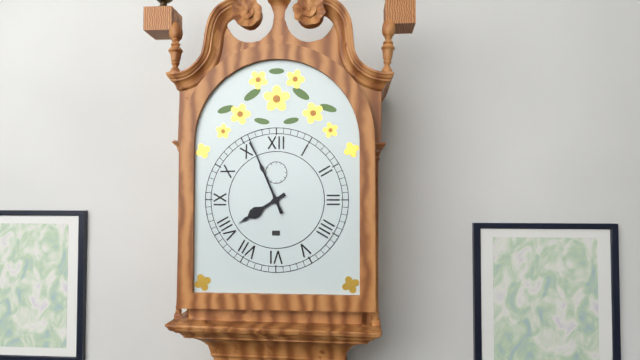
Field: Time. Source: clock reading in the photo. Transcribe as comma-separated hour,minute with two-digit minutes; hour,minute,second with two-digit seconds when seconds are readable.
7,56
